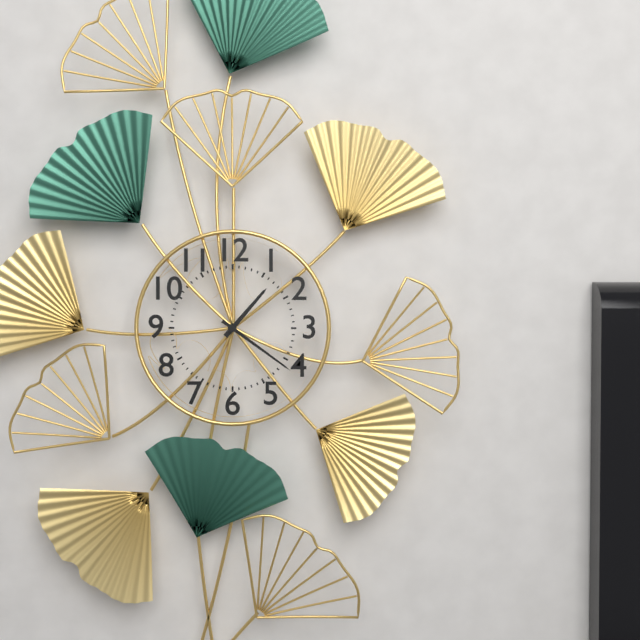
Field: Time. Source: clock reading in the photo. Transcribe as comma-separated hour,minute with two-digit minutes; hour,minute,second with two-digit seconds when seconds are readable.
1,21
